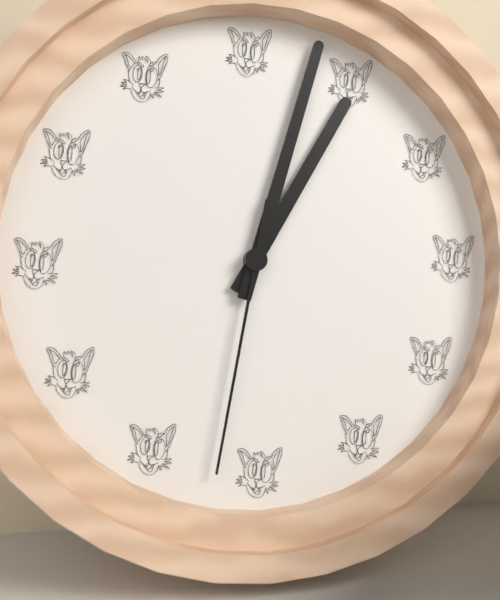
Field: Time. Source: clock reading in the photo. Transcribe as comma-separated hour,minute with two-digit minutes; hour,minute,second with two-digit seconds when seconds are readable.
1,03,32
